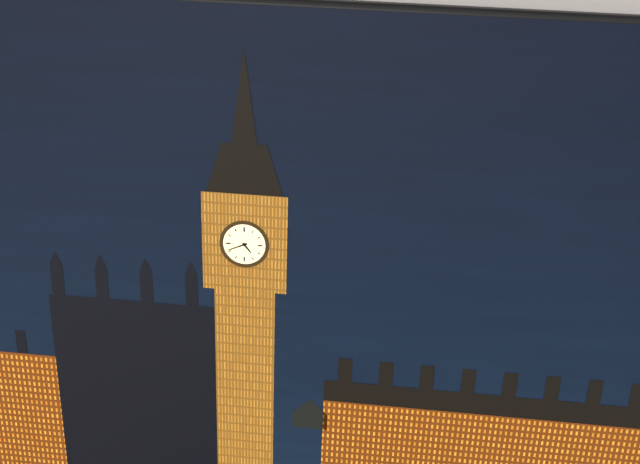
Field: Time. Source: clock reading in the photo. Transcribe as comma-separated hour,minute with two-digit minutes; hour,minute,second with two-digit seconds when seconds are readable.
4,41
